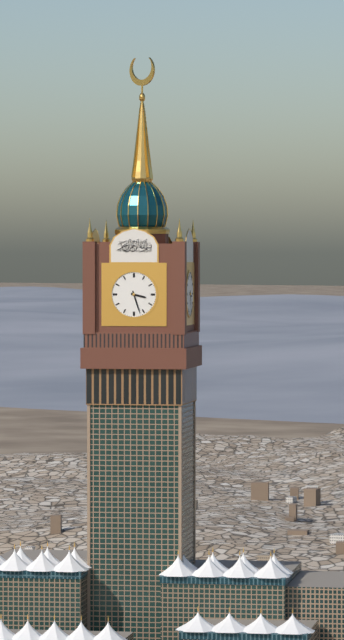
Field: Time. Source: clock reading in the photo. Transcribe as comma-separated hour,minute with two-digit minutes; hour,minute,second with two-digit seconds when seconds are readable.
3,27
